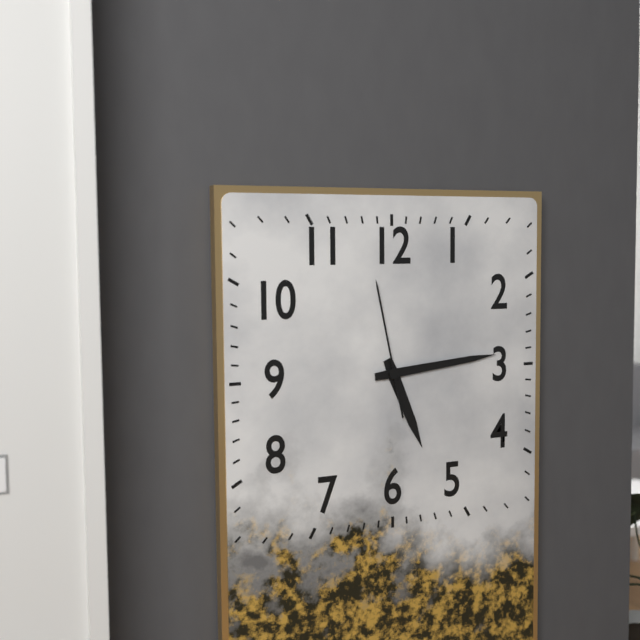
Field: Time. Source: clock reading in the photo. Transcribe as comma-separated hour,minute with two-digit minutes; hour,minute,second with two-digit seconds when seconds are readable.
5,14,58
